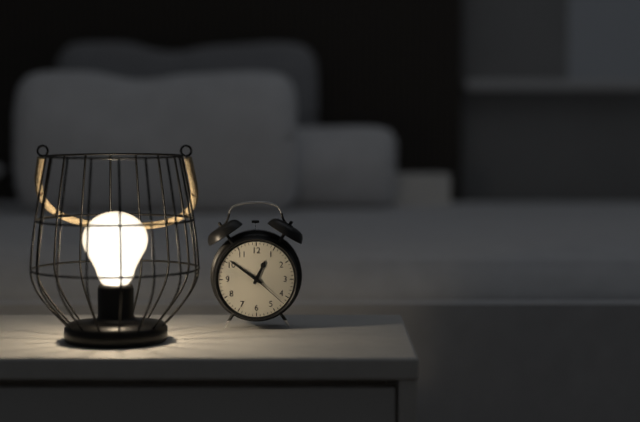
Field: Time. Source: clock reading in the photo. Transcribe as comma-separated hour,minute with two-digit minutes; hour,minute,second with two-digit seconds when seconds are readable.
12,51
